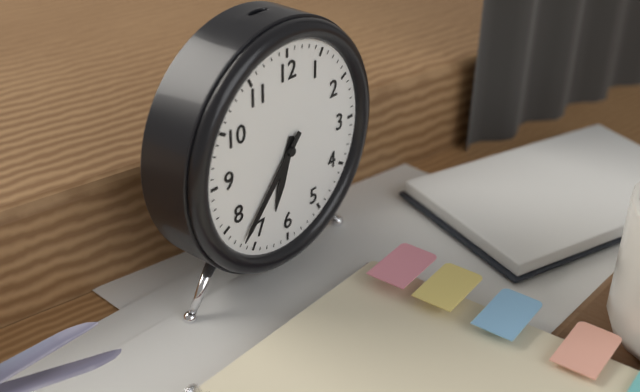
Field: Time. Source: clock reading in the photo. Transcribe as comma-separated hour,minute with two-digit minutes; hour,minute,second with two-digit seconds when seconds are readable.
6,37
